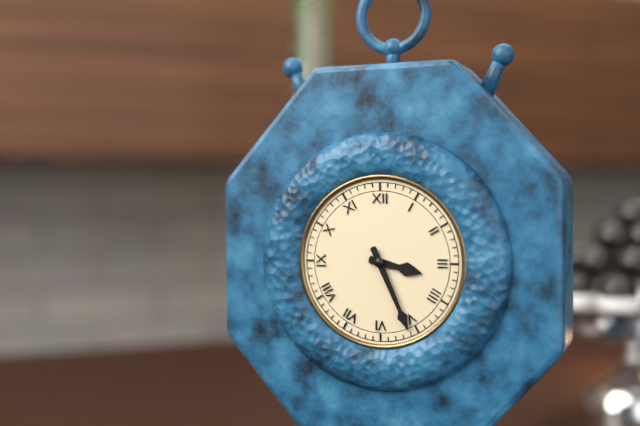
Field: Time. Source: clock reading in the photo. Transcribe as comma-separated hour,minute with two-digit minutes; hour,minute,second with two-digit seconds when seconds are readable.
3,26
